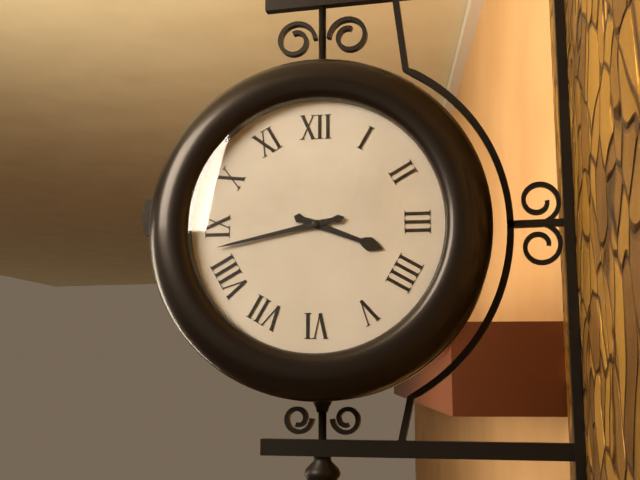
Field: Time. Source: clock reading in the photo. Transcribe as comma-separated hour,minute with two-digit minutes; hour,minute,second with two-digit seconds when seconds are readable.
3,43
